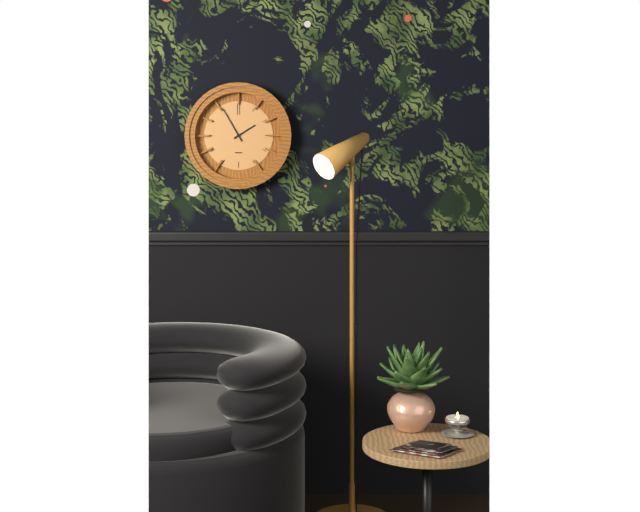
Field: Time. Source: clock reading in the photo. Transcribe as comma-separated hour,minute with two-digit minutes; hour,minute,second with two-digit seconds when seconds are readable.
1,55
